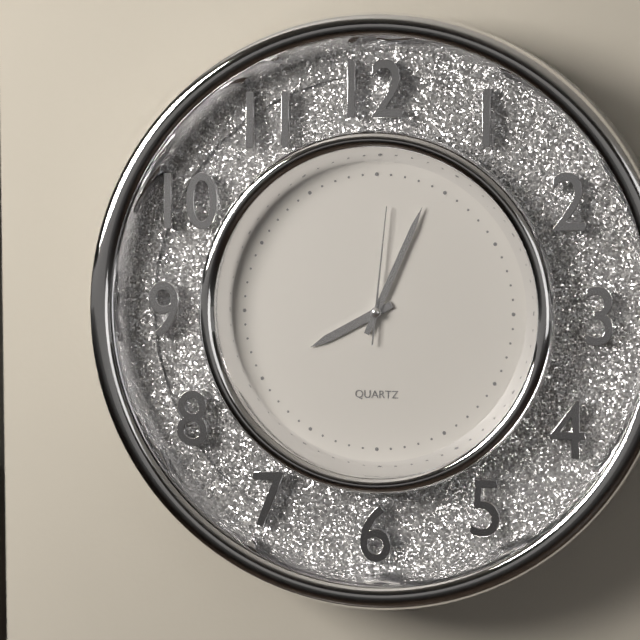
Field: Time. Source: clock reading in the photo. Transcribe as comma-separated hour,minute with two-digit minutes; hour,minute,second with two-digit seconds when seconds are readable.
8,04,01
